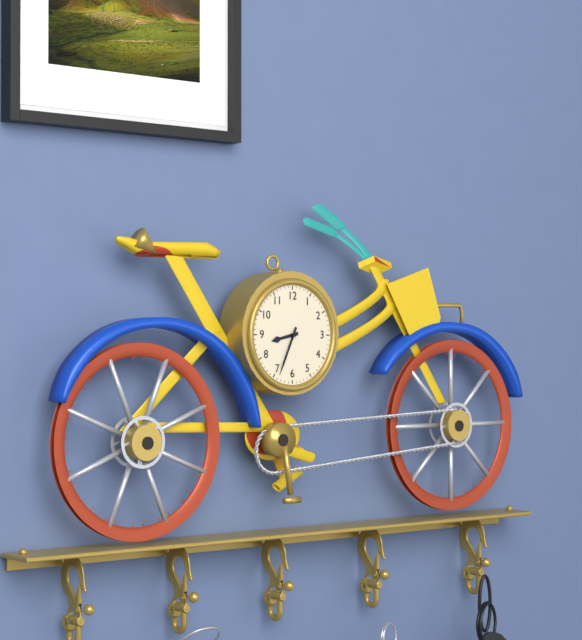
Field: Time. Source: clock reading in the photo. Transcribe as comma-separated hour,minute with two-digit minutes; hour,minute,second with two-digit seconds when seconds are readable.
8,34
